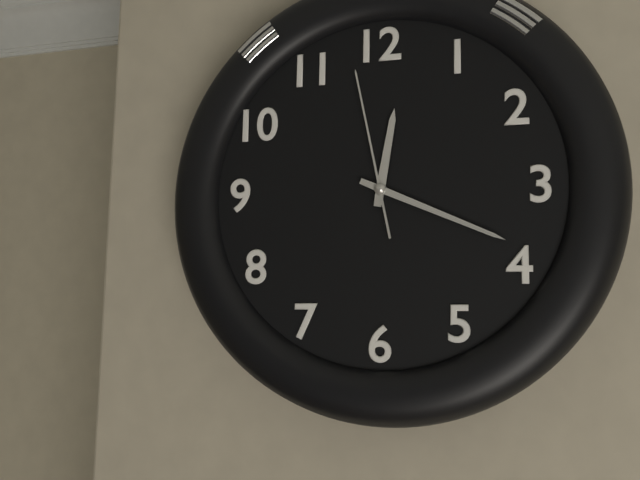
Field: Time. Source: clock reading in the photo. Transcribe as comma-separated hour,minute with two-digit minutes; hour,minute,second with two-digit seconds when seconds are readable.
12,19,58
